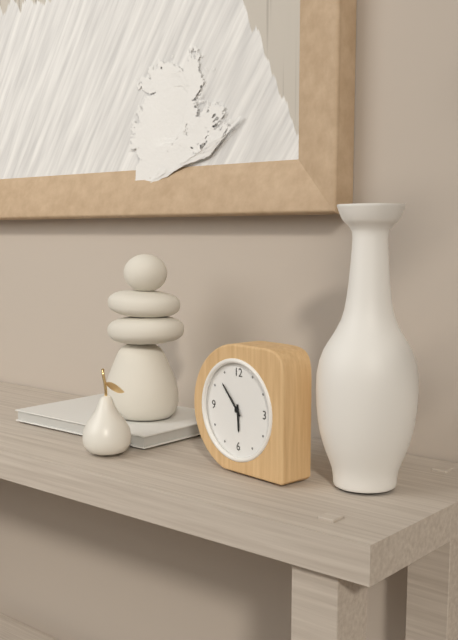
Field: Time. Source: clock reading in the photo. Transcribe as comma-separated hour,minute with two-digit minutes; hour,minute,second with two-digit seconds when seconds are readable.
5,53
